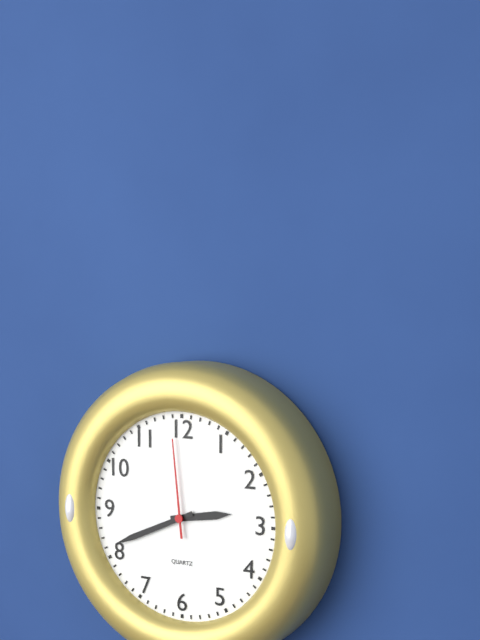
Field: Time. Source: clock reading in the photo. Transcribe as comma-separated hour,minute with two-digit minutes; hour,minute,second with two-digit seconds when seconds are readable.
2,41,59
